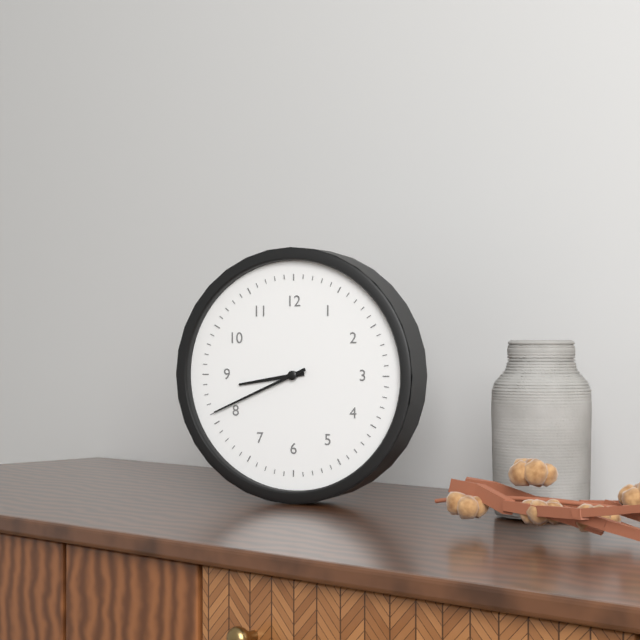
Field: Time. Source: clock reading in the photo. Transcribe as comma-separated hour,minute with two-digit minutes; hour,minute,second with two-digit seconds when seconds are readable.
8,41
